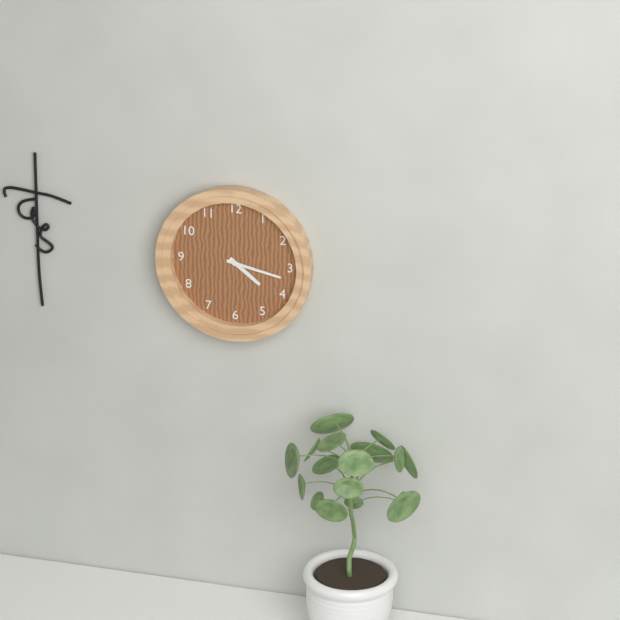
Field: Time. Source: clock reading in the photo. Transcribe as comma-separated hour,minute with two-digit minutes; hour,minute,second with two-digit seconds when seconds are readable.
4,17
